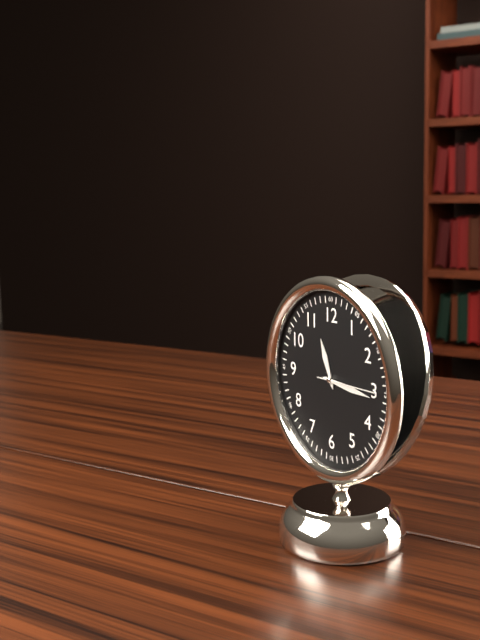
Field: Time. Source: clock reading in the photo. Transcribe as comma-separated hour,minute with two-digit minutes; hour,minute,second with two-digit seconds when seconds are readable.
11,16,15
